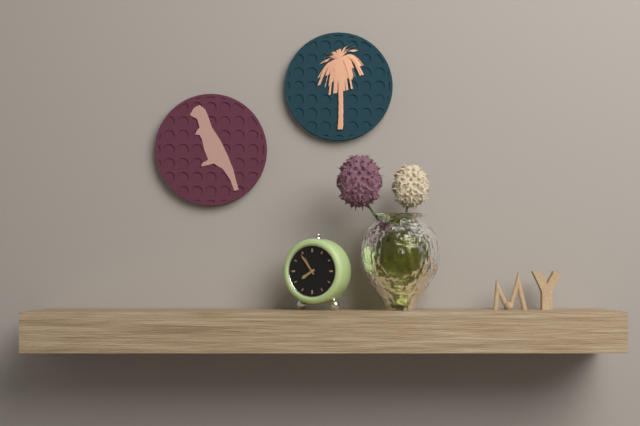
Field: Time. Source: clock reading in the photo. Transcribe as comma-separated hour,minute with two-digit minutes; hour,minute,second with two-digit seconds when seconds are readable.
7,54
